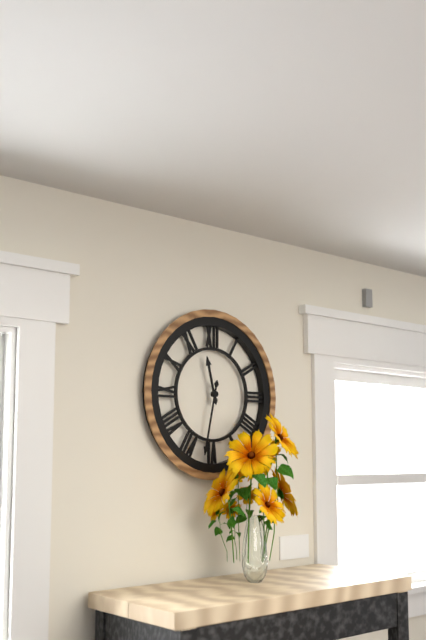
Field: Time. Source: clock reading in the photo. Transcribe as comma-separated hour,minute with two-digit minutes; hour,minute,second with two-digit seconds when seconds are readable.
11,32
